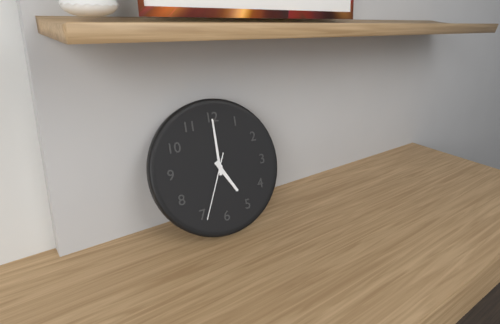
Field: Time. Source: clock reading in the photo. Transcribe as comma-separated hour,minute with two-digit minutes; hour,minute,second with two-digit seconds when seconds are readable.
5,00,34
